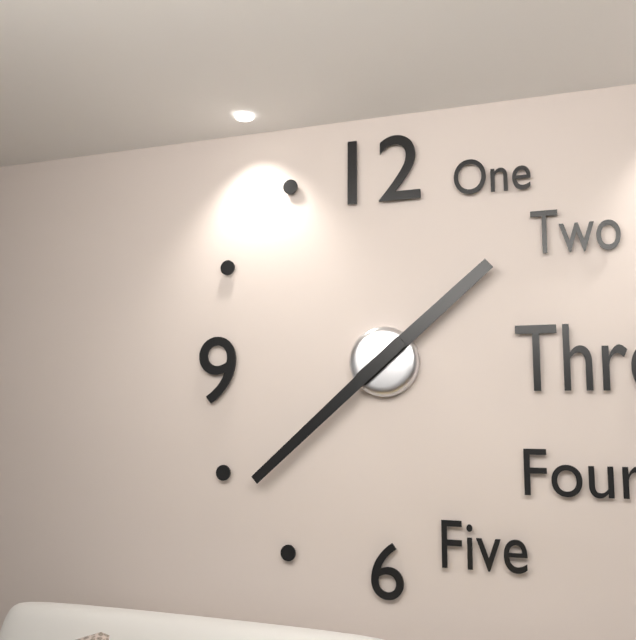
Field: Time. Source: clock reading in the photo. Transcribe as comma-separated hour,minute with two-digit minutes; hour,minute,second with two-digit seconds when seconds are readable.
1,38
